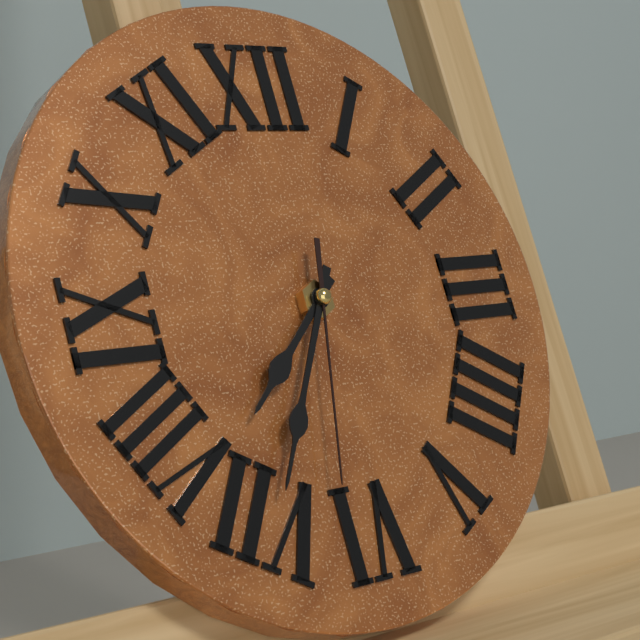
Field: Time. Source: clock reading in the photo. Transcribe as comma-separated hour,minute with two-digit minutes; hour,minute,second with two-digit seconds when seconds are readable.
7,35,32
